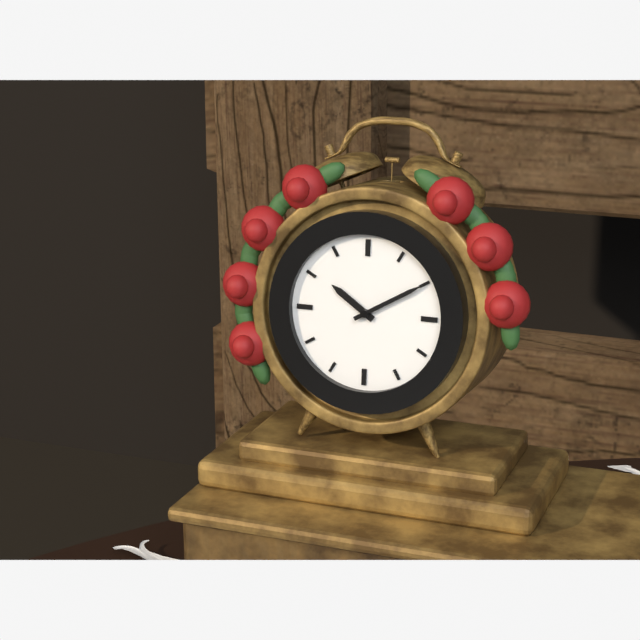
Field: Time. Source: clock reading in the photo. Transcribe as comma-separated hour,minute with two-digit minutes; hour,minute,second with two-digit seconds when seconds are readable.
10,10
